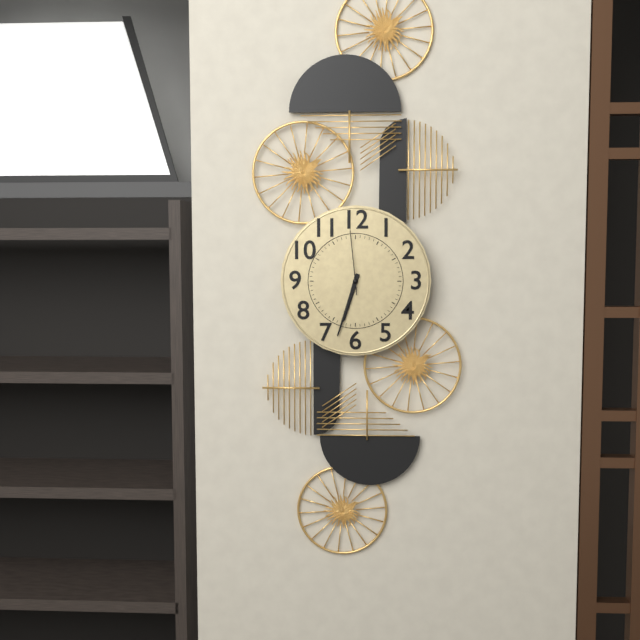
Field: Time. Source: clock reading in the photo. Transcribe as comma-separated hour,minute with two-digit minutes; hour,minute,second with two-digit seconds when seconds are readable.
6,33,59
